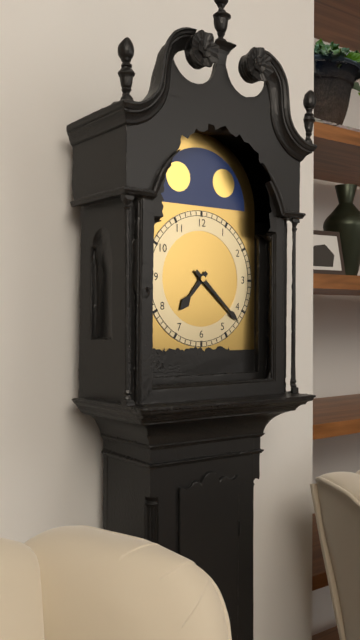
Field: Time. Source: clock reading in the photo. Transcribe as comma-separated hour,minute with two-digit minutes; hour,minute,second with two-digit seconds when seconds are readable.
7,22
